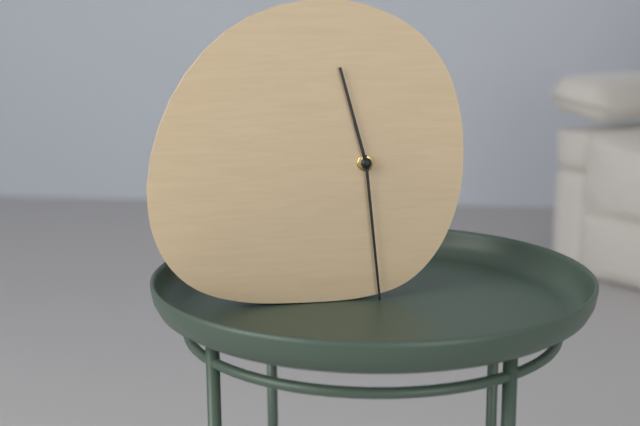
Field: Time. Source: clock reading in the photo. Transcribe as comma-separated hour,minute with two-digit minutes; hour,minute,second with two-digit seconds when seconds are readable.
11,29
